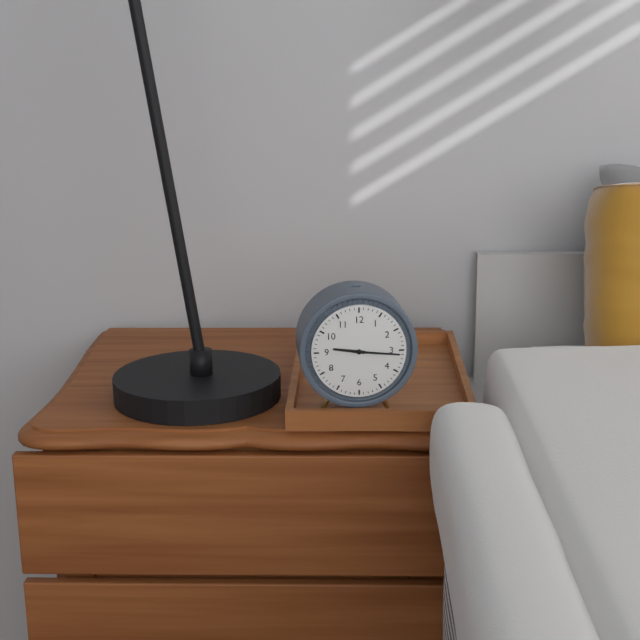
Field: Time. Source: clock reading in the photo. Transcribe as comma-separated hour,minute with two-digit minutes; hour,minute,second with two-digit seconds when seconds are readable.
9,16
